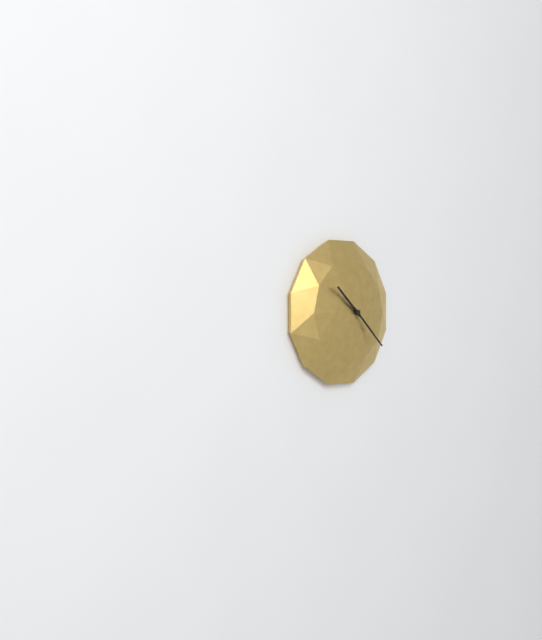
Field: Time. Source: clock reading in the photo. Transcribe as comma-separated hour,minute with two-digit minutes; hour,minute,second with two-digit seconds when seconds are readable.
10,22
